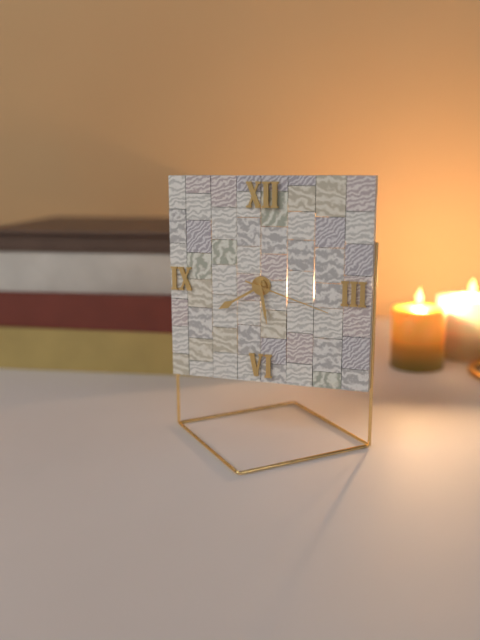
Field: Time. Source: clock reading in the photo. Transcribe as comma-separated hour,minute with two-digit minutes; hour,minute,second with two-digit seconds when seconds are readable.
5,40,18
